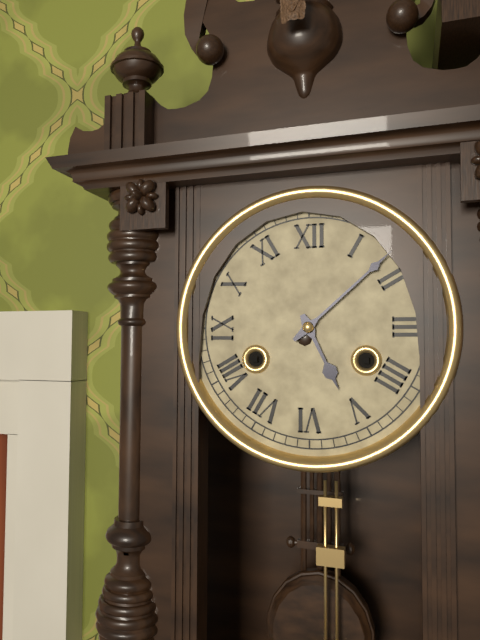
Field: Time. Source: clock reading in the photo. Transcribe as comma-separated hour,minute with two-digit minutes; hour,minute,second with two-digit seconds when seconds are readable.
5,08
